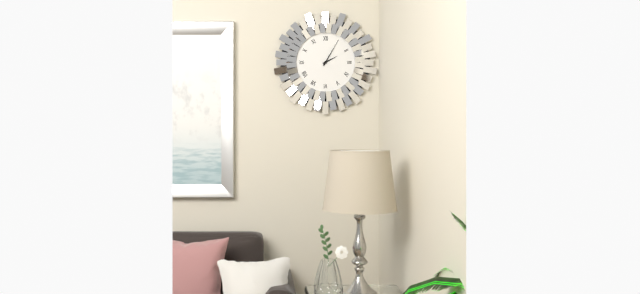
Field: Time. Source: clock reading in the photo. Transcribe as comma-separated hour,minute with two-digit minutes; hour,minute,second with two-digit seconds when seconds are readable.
2,05
